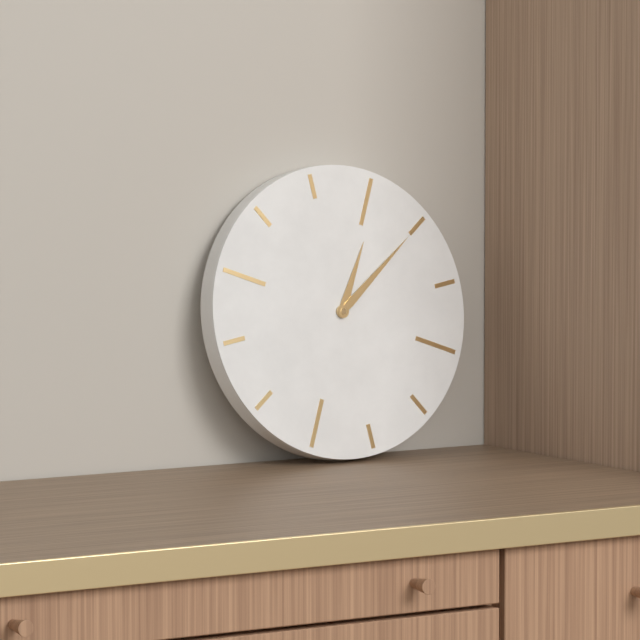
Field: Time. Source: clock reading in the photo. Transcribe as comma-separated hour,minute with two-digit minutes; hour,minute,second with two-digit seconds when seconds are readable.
1,10
